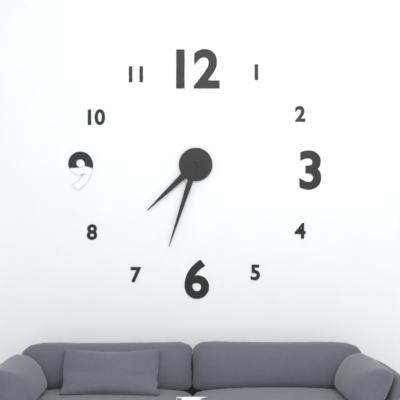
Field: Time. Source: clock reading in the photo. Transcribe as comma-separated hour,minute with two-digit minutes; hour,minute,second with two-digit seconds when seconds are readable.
7,33
